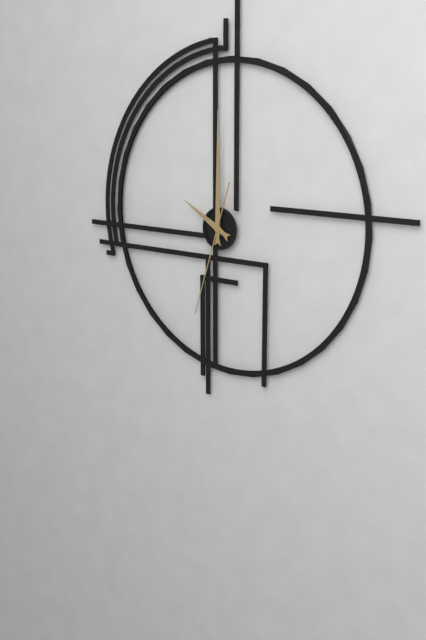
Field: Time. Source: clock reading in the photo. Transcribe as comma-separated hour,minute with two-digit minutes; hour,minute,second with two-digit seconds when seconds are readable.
10,00,33
